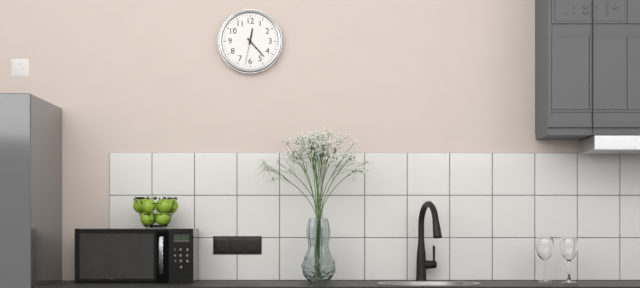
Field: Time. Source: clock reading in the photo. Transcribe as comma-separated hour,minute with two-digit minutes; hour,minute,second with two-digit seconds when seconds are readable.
12,23
